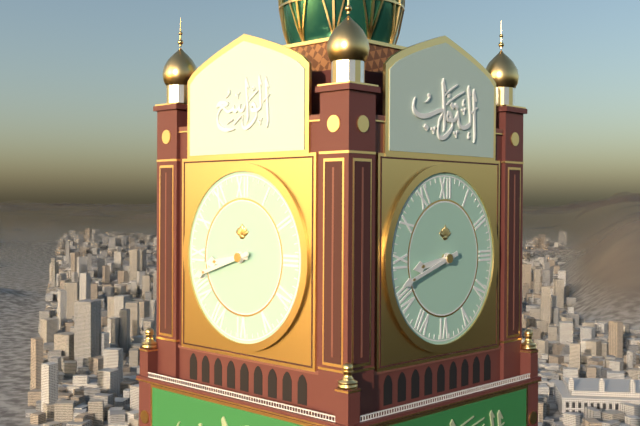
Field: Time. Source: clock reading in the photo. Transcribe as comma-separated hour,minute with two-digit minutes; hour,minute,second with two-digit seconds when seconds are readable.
8,42
